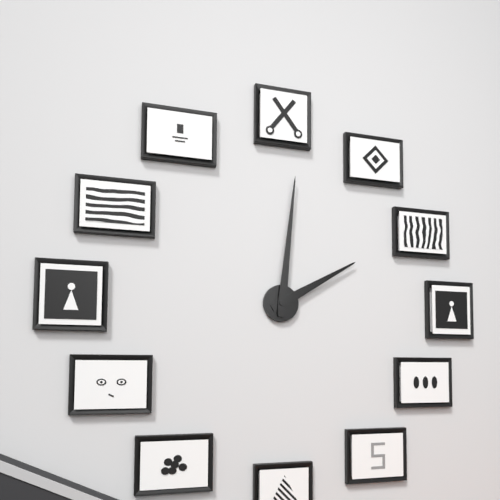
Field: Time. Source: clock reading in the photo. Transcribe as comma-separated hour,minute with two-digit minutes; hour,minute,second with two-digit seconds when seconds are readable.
2,01
